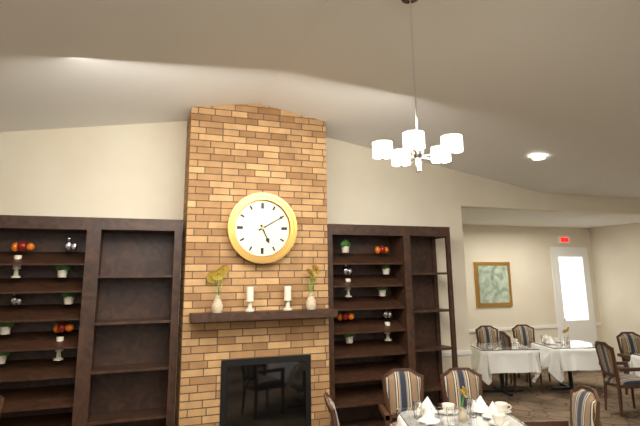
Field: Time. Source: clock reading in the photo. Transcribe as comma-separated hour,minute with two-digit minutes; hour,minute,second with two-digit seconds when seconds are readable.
5,10
